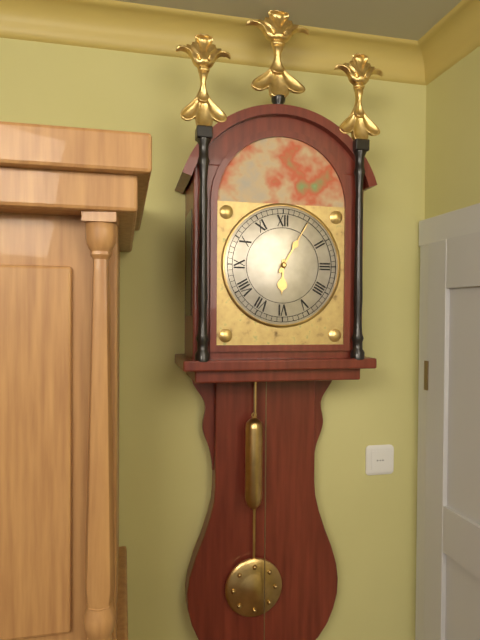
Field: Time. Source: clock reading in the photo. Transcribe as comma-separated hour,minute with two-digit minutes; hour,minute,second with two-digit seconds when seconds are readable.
6,05
